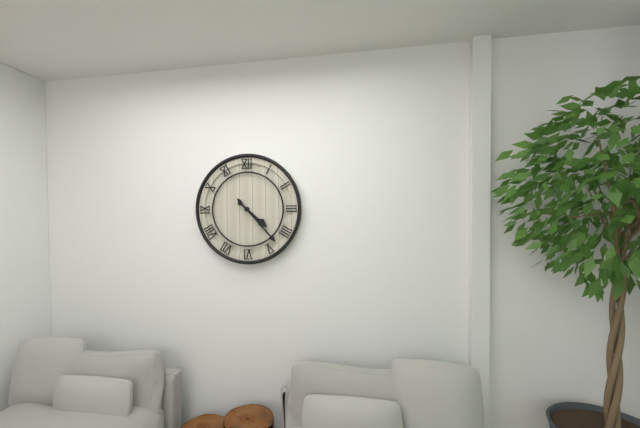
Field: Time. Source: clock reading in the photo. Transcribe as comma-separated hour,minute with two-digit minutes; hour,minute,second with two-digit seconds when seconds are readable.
4,23
